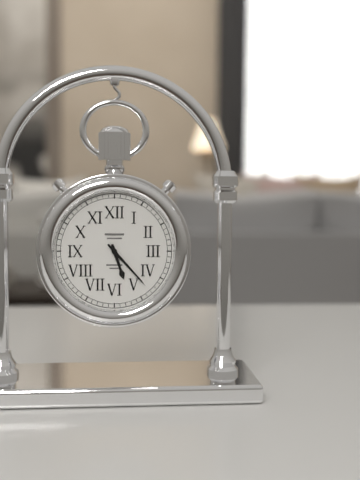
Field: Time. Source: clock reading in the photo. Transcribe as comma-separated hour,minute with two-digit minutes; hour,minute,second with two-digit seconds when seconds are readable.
5,23
